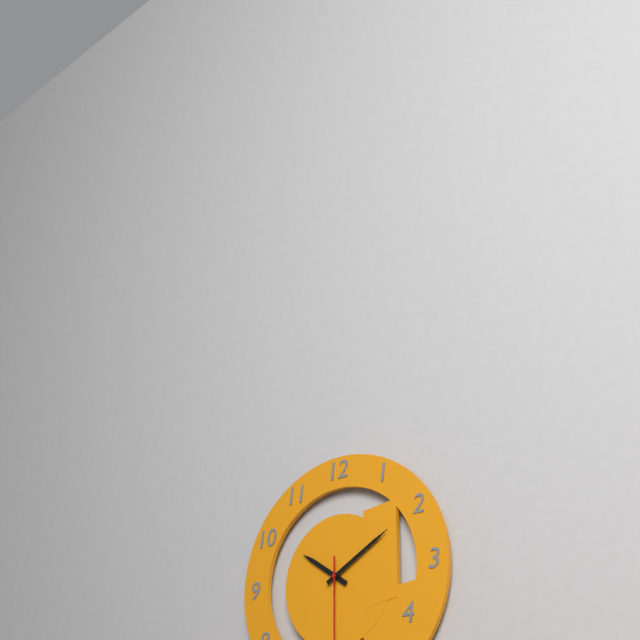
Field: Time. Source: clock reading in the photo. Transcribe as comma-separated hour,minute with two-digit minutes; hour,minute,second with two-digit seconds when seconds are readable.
10,10
